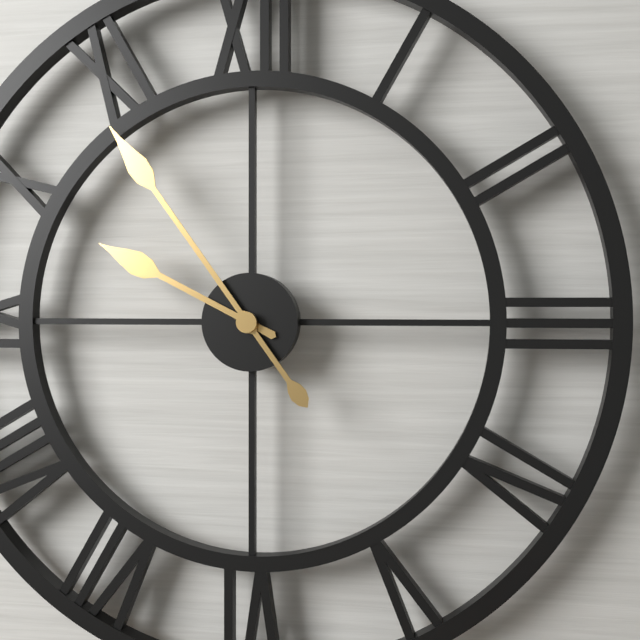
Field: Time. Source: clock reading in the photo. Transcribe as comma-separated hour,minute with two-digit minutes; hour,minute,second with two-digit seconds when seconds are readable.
9,54
